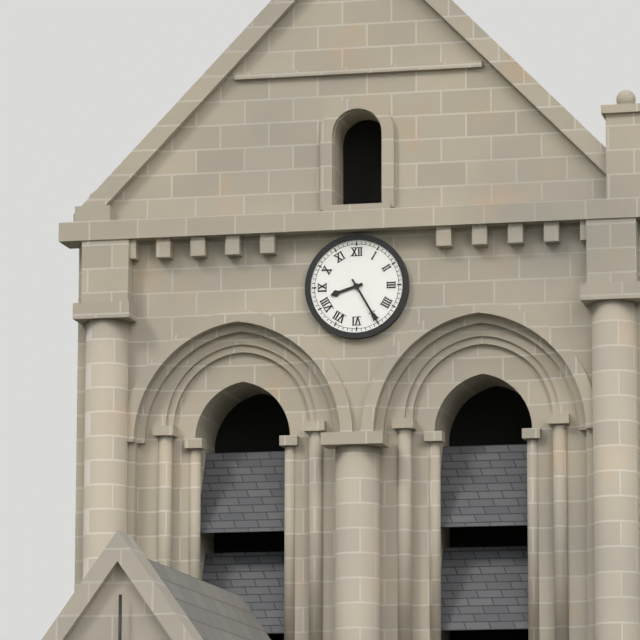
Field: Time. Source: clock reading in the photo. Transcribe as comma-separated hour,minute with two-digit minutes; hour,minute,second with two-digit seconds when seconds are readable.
8,25
